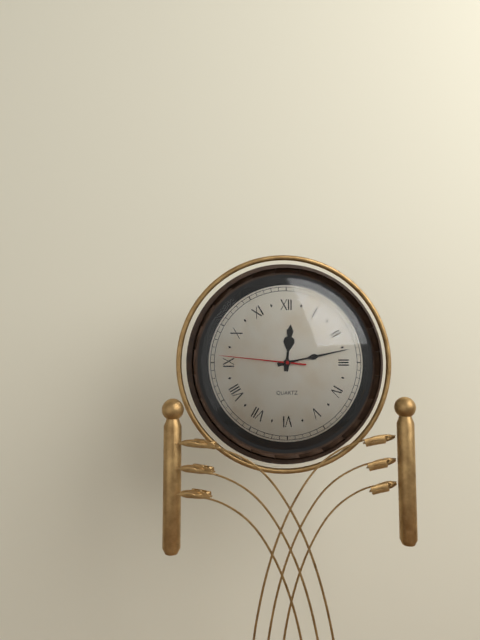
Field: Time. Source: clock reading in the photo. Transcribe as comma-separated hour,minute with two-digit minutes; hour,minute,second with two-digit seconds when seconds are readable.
12,13,46
